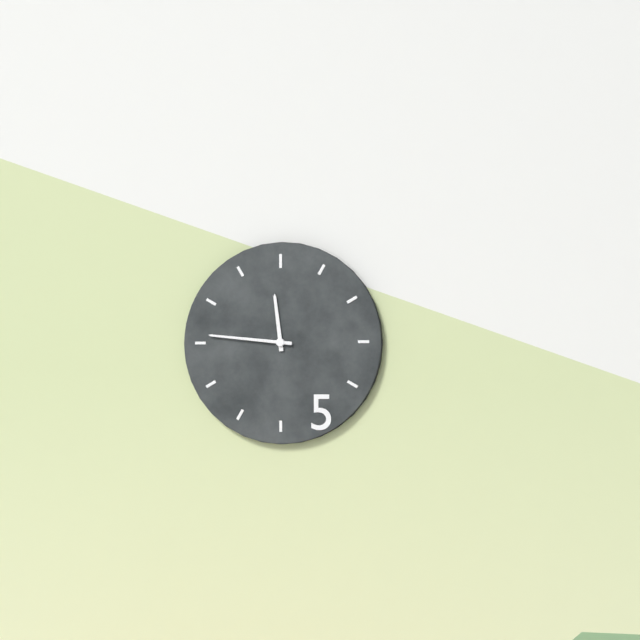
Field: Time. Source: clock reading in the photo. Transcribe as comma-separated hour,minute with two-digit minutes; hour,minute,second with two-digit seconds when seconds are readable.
11,46
